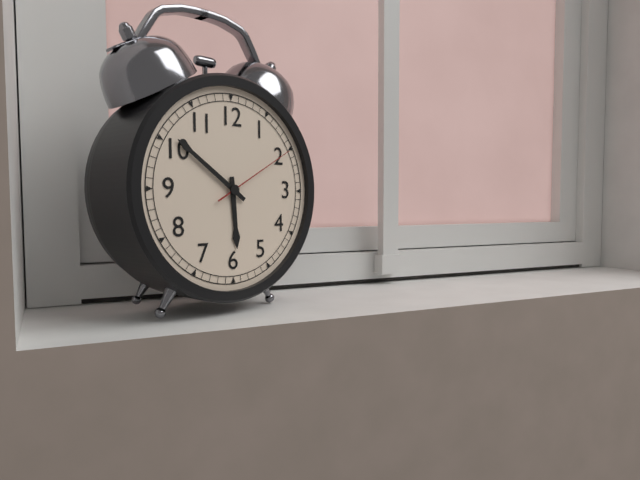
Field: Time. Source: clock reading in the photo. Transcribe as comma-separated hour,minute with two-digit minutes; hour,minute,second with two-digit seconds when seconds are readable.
5,51,10
